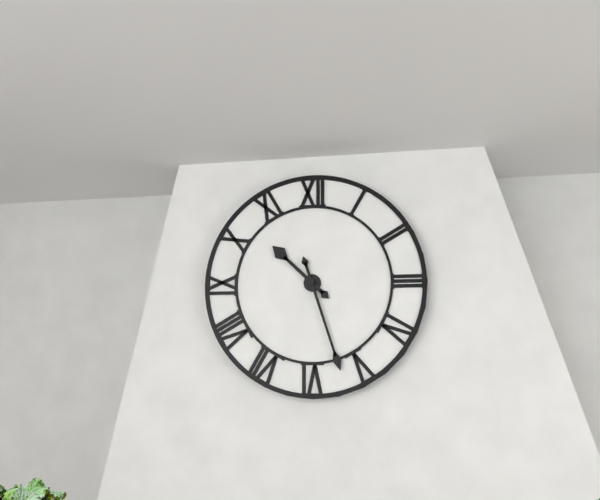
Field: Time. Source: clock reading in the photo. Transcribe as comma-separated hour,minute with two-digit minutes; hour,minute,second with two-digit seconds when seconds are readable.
10,27
